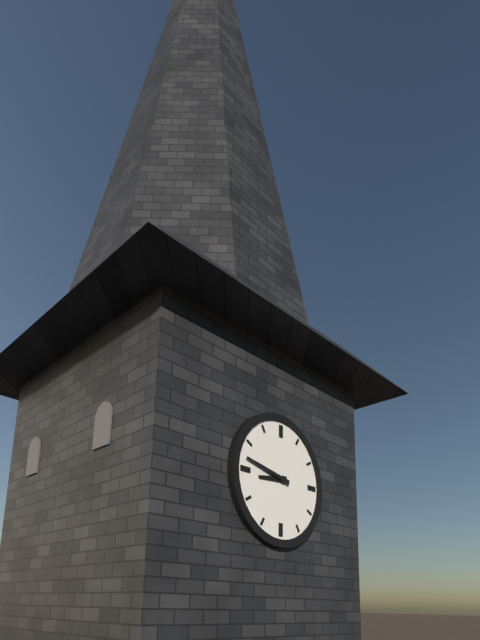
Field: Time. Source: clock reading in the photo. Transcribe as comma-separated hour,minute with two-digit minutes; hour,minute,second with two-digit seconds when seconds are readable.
8,47
